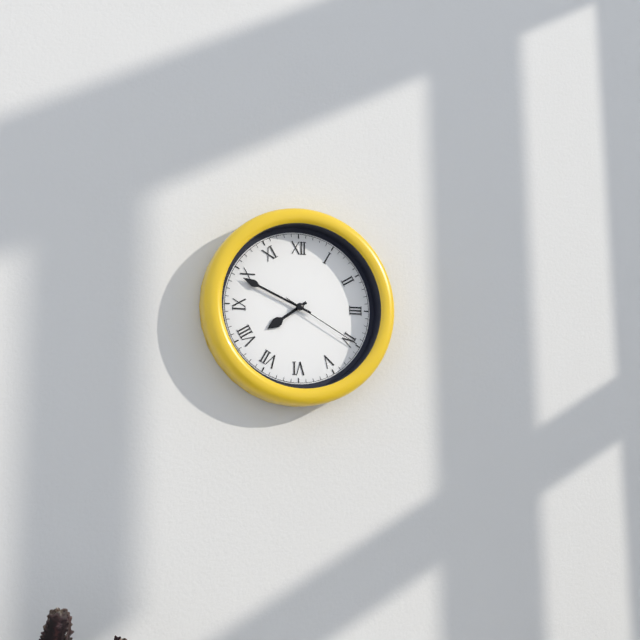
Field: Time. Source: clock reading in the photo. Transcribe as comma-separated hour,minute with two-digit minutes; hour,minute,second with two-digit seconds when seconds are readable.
7,49,20
